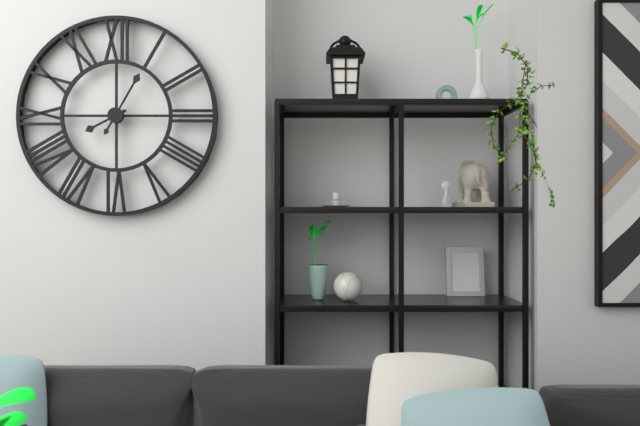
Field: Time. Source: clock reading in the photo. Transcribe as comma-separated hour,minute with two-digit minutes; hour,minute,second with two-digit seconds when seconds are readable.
8,05
